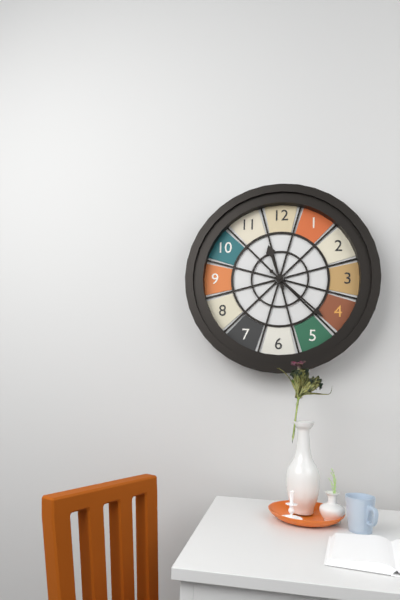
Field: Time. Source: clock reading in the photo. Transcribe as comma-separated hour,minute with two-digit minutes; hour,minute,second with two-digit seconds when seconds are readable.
11,22
